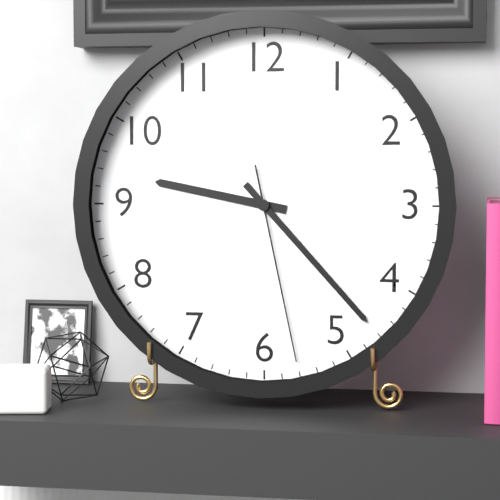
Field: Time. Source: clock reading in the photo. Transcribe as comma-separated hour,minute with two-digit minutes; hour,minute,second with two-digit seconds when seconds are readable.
9,23,28
